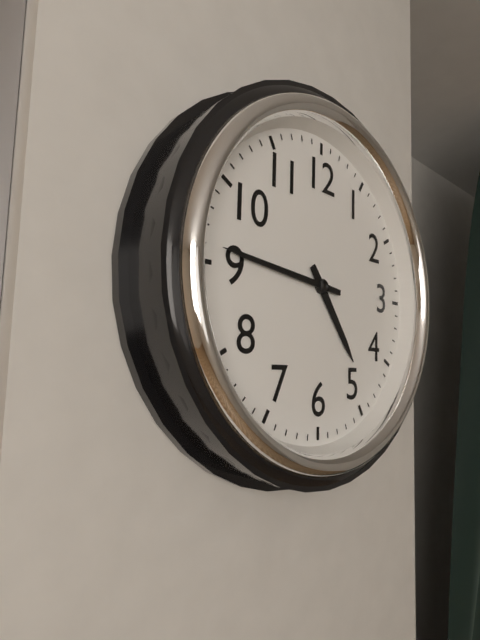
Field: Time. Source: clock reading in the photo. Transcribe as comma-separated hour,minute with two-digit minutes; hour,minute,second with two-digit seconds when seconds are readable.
4,46
